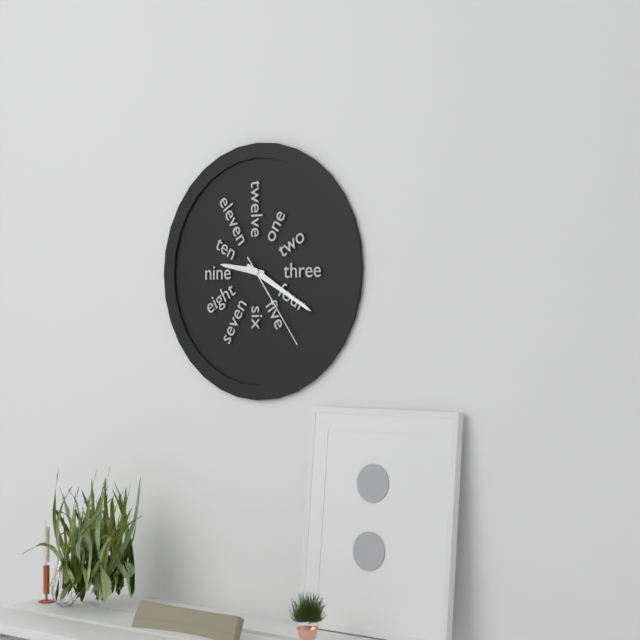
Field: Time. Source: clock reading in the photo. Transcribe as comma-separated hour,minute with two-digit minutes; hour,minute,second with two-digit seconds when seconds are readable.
9,20,24
